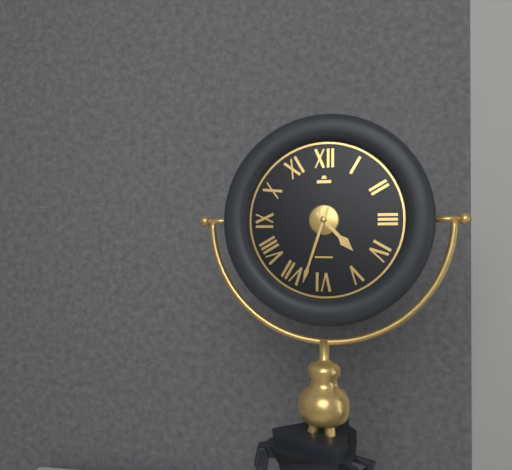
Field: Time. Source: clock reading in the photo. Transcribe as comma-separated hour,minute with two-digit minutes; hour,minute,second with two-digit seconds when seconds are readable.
4,33
